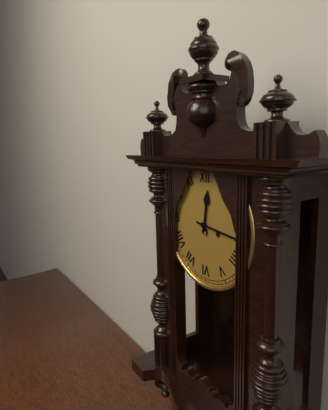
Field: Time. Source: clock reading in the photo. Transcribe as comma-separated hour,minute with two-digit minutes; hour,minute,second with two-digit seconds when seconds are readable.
12,16
